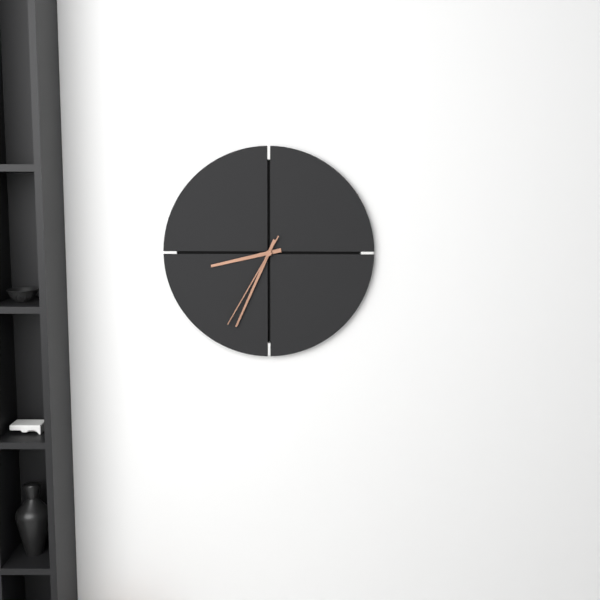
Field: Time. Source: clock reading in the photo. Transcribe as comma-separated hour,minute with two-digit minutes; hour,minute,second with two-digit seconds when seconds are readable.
8,34,35
